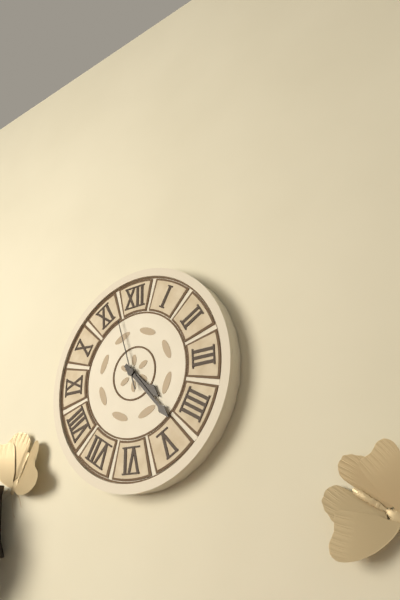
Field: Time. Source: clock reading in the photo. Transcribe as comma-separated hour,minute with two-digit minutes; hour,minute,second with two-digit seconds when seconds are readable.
4,23,57
